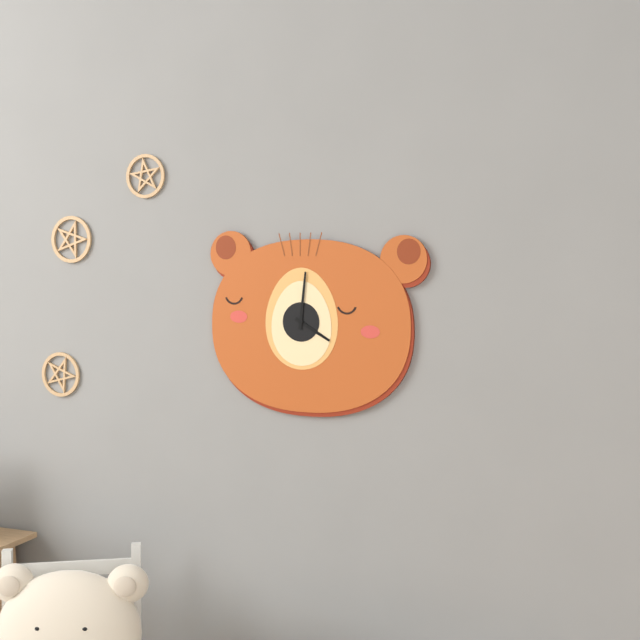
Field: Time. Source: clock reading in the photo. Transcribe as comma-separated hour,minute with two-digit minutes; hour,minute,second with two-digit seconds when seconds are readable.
4,01
